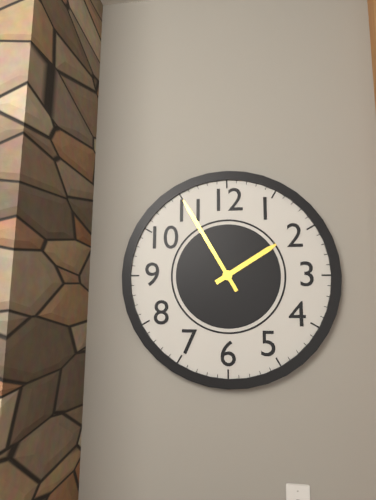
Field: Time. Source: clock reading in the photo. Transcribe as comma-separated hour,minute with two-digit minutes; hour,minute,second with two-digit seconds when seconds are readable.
1,55
